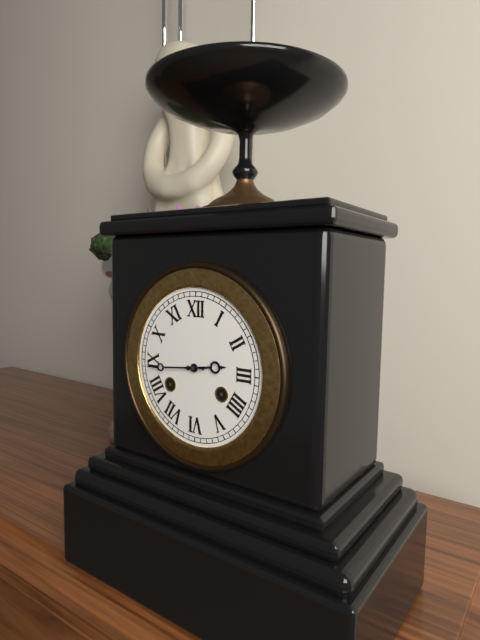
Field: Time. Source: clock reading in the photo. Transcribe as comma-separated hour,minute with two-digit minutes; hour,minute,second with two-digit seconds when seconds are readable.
2,44
